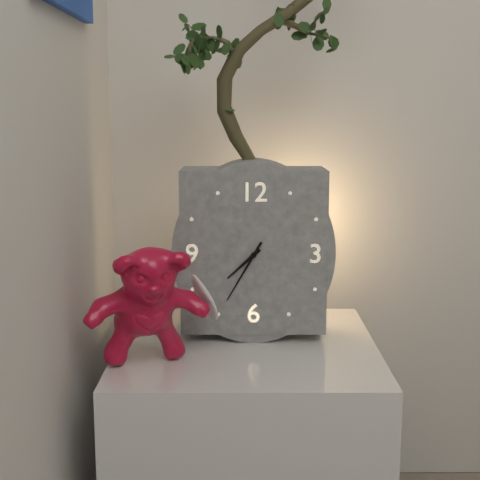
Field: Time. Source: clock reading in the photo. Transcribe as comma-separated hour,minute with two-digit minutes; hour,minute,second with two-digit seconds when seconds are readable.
7,35
